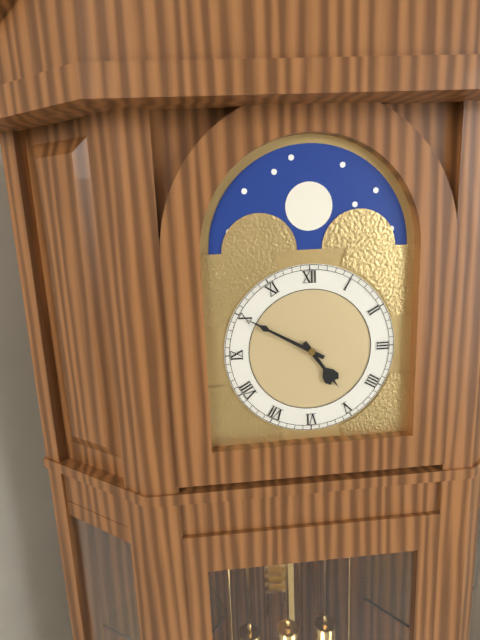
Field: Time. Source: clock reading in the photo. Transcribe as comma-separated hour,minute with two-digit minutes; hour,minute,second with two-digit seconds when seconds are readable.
4,50
